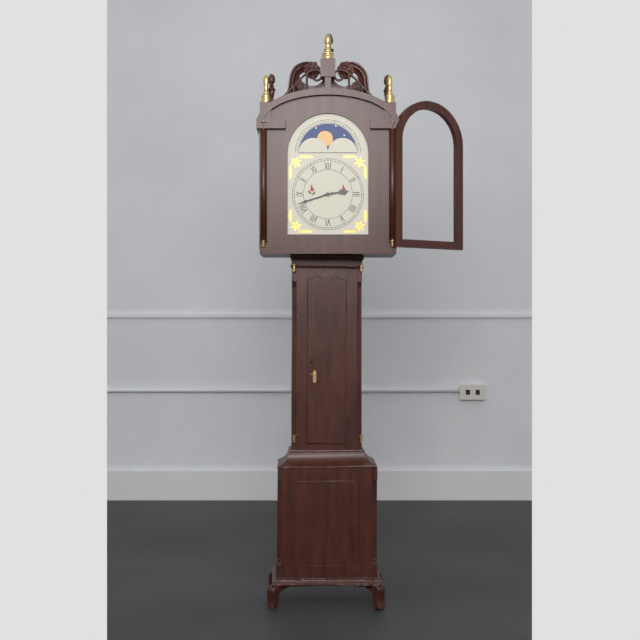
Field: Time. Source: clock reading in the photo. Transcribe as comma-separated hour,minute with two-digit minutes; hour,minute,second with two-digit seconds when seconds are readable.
2,42
